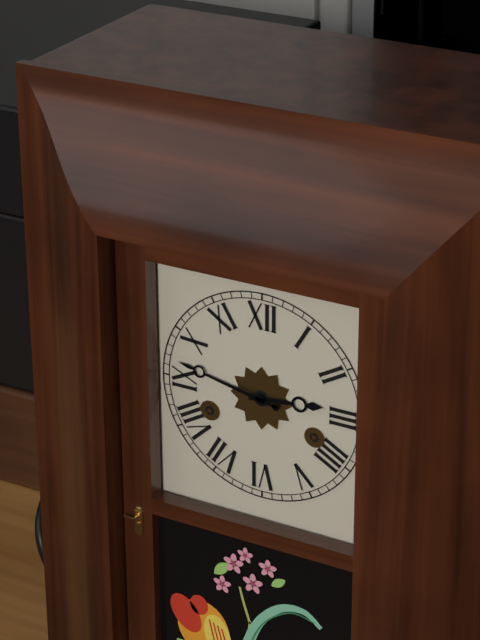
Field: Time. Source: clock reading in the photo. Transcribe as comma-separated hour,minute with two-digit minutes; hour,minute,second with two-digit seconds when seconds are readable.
2,47
